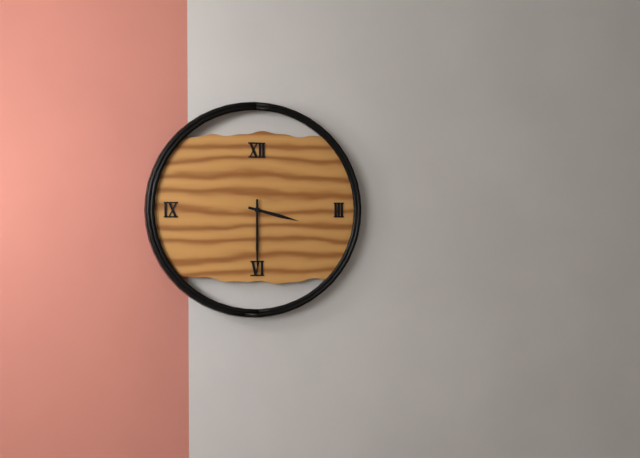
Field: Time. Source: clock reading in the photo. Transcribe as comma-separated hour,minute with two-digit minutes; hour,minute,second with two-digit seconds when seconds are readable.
3,30
